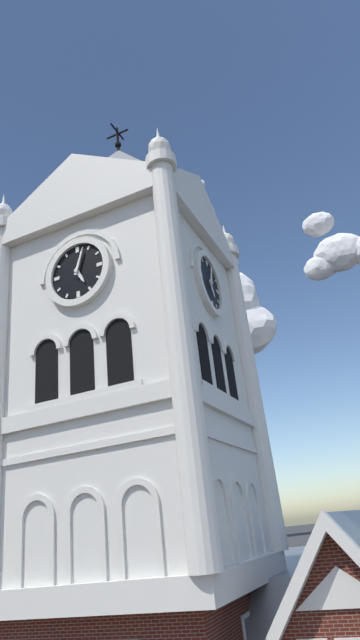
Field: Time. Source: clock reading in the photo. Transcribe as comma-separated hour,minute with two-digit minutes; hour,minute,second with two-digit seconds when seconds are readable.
5,03
